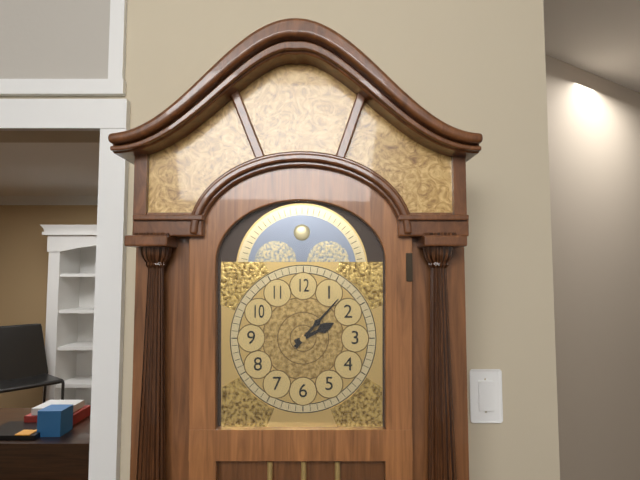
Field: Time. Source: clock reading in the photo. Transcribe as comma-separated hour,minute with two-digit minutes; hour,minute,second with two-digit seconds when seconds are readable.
2,07
